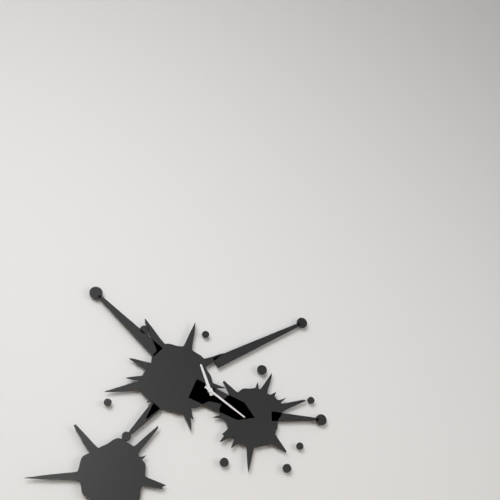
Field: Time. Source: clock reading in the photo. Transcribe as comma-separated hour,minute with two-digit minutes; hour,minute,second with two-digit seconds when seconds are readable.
11,21
